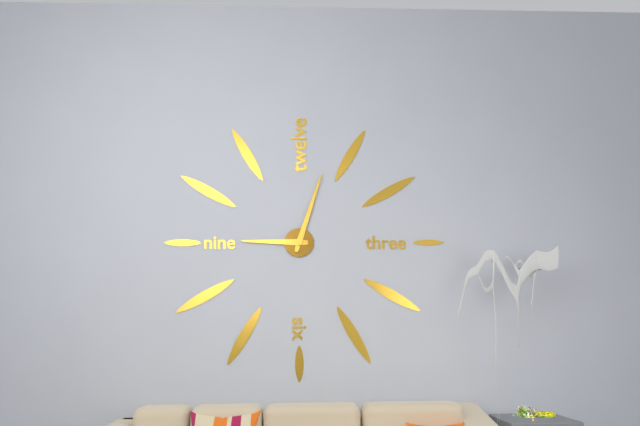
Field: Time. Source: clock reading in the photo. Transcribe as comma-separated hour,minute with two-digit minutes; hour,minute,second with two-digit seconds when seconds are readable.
9,03
